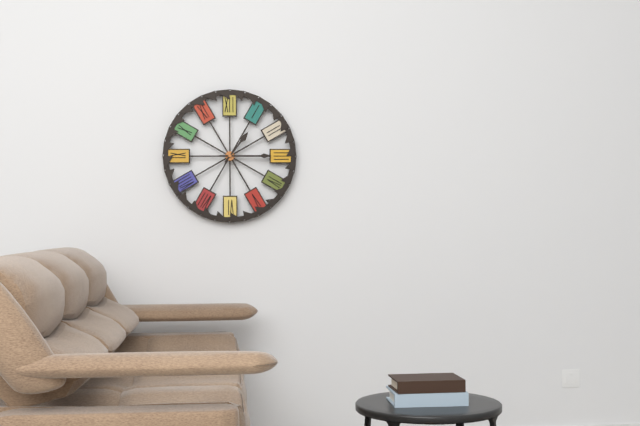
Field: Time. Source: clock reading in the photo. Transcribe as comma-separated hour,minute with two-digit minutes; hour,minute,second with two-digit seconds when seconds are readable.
1,15
